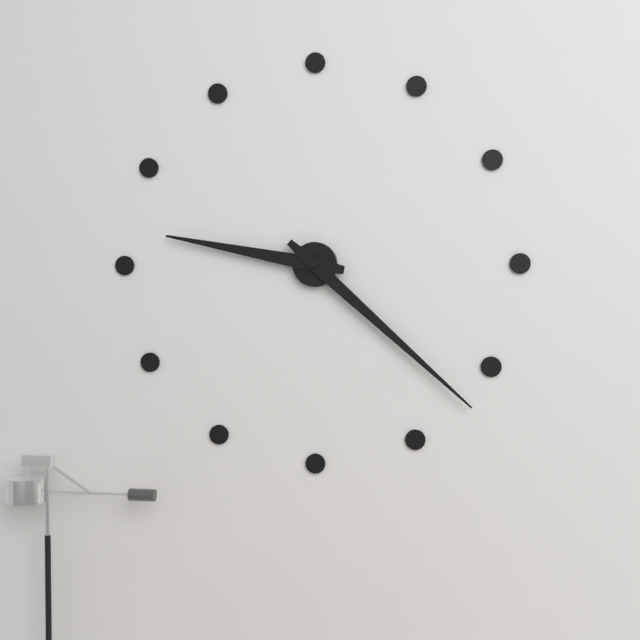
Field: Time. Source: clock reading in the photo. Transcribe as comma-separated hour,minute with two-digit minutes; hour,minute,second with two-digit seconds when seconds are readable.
9,22
